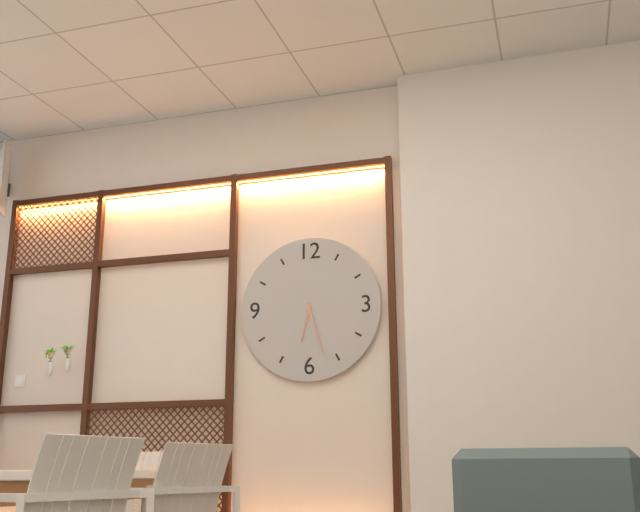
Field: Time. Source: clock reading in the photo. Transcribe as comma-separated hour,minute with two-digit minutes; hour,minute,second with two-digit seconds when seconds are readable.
6,27
